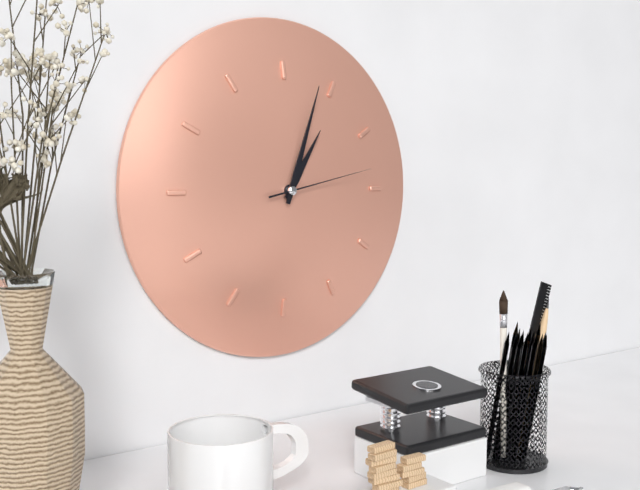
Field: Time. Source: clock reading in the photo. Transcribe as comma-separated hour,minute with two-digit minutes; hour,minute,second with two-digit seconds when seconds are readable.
1,03,13
